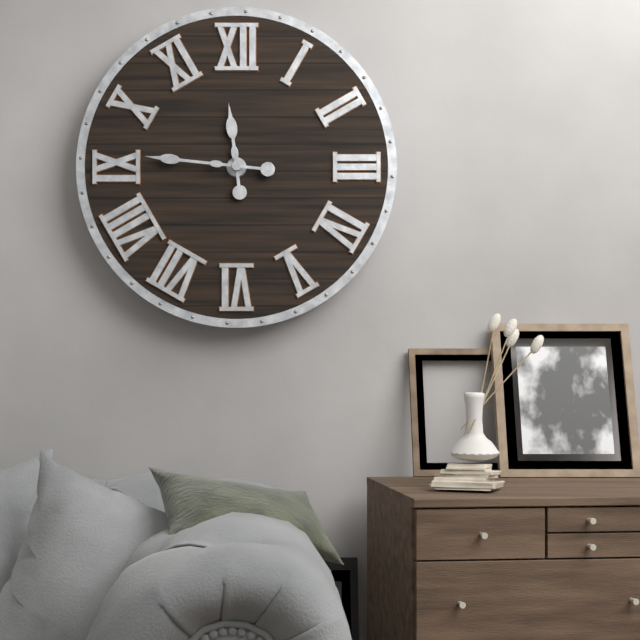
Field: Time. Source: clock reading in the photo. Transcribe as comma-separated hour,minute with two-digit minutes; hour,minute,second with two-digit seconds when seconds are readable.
11,46
